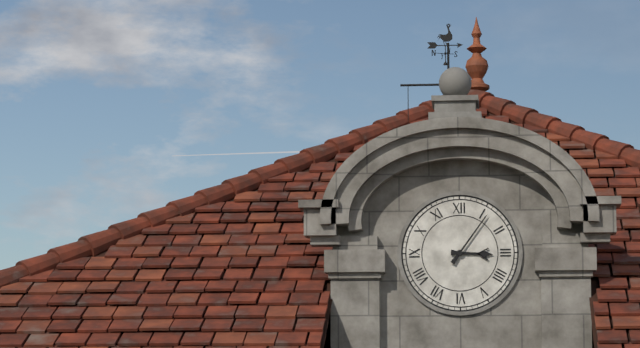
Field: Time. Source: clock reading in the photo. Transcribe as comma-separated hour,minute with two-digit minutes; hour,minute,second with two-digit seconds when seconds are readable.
3,06
